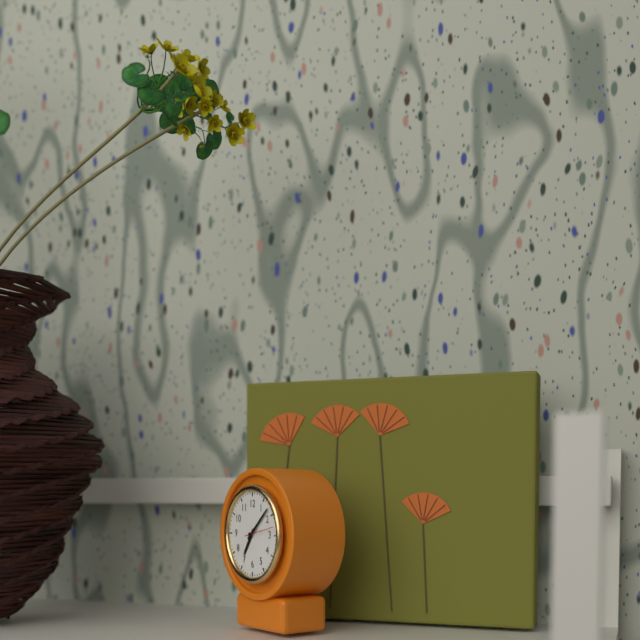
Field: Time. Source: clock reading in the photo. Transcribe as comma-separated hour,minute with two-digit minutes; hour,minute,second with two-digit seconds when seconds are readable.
7,08
